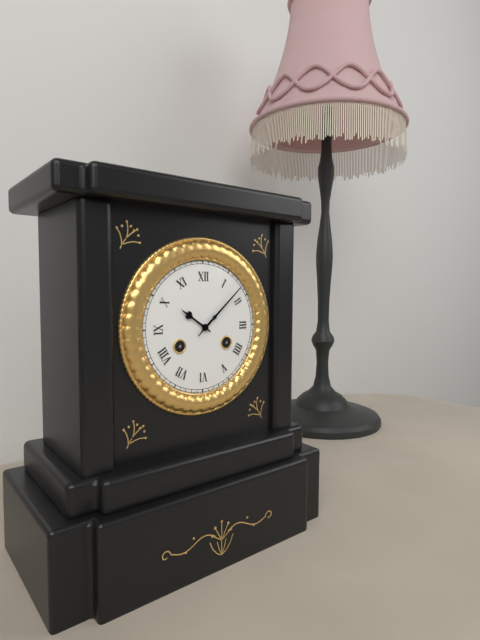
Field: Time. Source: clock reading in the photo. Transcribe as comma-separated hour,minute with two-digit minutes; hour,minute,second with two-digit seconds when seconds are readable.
10,08
